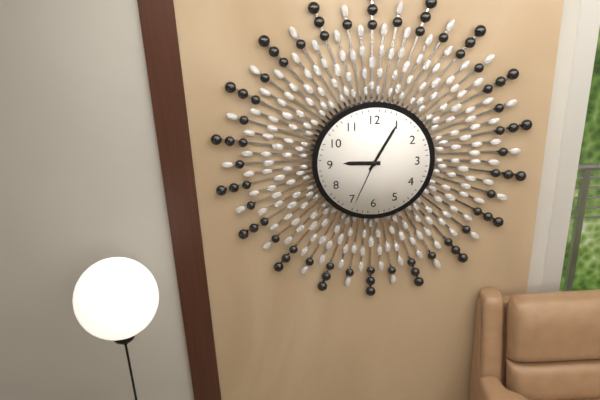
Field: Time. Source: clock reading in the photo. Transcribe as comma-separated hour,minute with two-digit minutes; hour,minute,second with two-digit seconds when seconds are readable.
9,05,34
